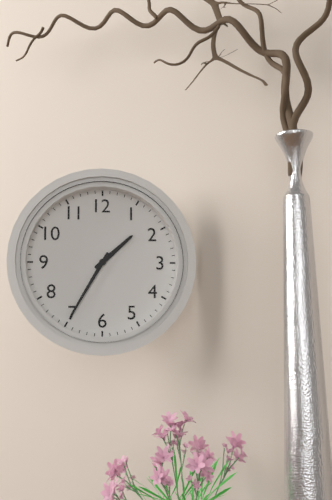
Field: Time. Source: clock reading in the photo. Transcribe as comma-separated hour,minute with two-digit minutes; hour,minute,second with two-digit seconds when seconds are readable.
1,35
